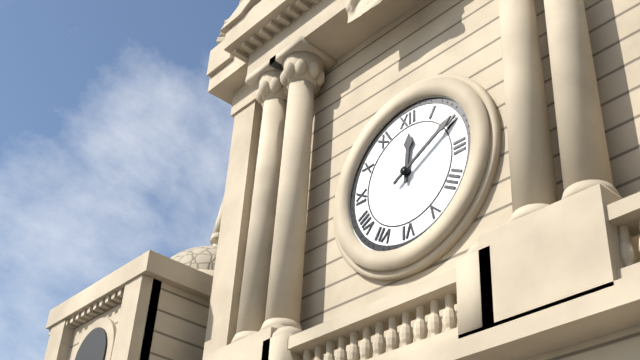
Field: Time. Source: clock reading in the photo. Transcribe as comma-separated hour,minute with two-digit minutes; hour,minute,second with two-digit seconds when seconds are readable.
12,10
